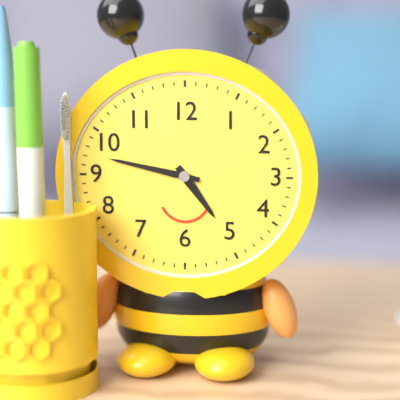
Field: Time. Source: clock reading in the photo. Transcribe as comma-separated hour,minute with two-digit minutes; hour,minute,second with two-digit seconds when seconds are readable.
4,47
